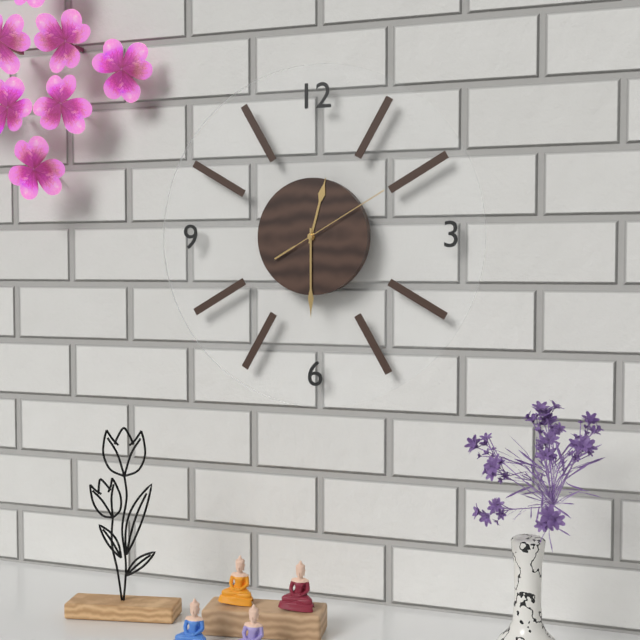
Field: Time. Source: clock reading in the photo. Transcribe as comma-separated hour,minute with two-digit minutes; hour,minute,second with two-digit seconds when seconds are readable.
12,30,10
